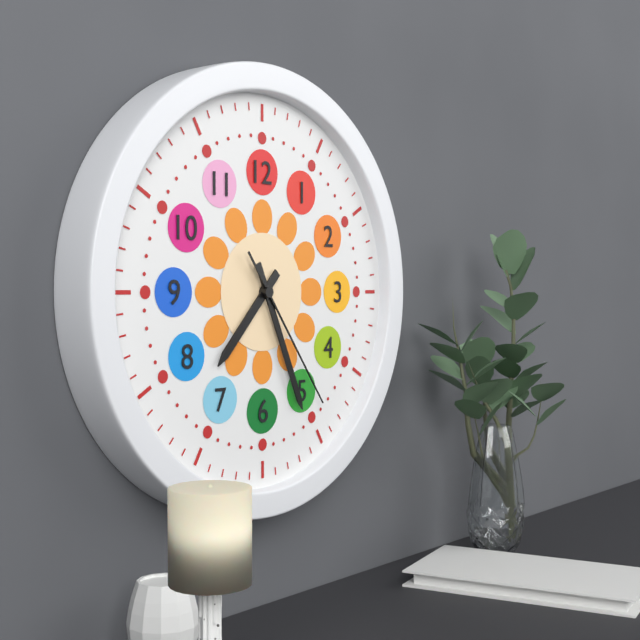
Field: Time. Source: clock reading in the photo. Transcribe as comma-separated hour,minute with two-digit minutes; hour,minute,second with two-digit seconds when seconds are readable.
7,26,24
